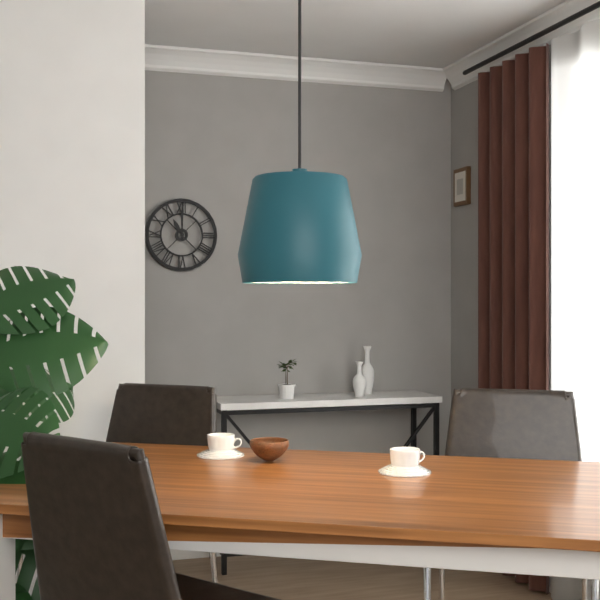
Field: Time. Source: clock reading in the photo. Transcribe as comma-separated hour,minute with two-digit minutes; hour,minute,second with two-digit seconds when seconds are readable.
11,00
